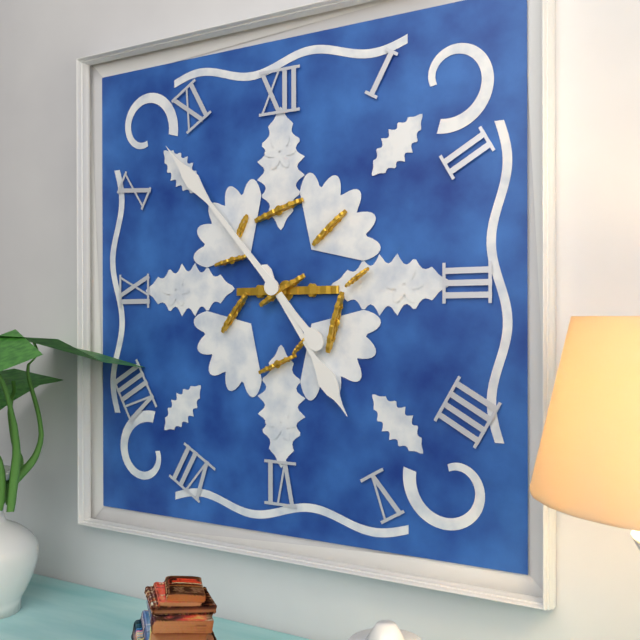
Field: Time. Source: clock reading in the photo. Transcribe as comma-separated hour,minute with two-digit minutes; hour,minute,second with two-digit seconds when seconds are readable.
4,53
